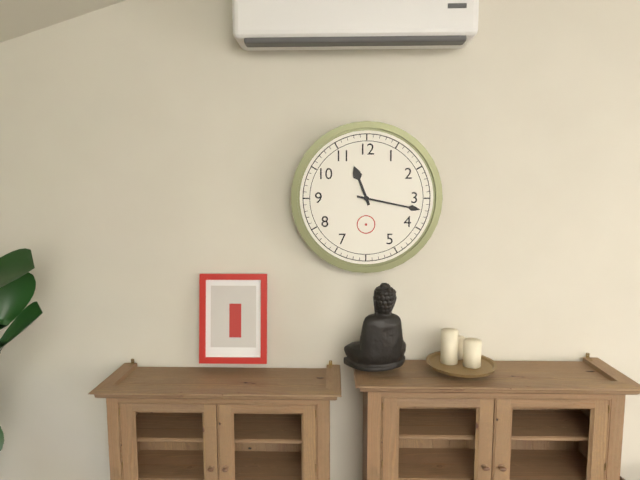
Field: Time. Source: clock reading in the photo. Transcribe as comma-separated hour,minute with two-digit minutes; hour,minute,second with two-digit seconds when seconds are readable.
11,17
